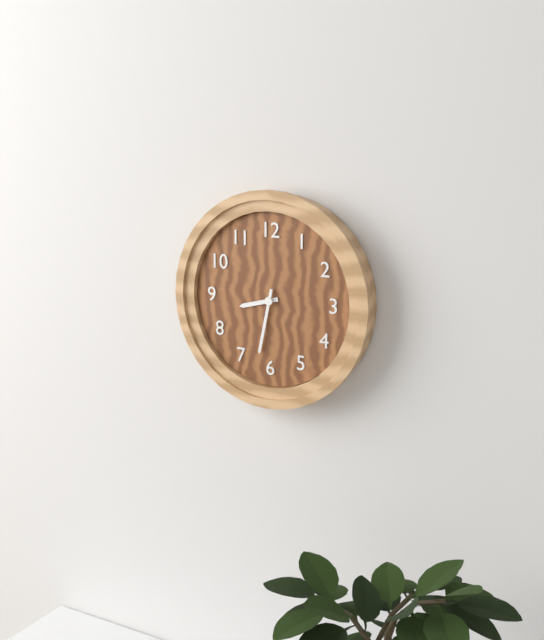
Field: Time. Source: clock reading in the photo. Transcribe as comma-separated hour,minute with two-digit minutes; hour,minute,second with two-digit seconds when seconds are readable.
8,32
